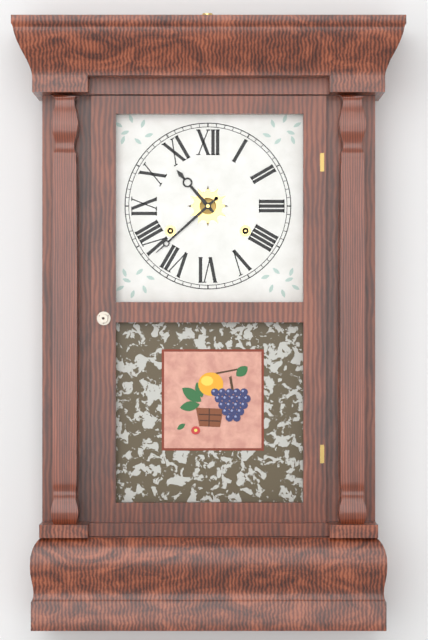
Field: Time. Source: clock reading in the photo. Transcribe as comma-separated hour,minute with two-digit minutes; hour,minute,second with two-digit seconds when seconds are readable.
10,38
